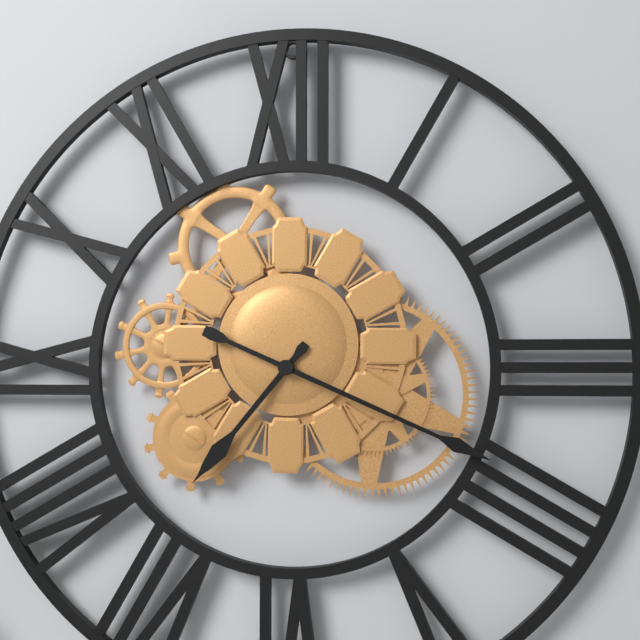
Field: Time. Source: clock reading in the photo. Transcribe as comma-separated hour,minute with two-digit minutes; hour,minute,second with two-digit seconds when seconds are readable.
7,19
